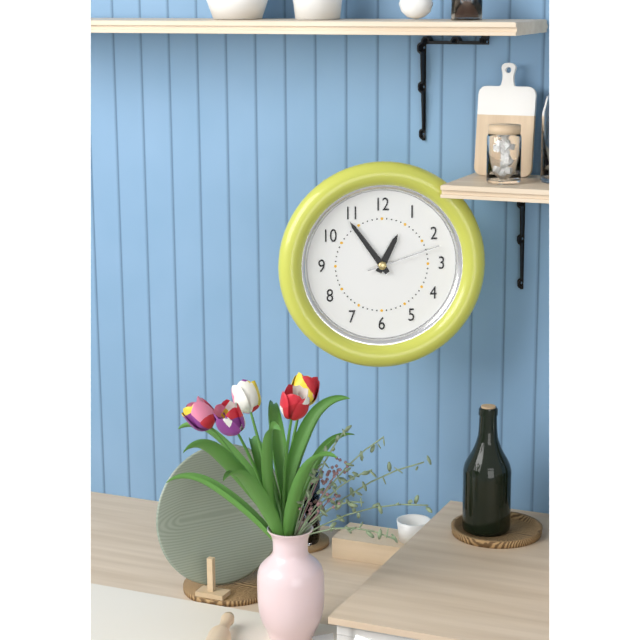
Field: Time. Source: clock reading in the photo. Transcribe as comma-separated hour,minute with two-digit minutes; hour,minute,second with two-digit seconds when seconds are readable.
12,54,12
